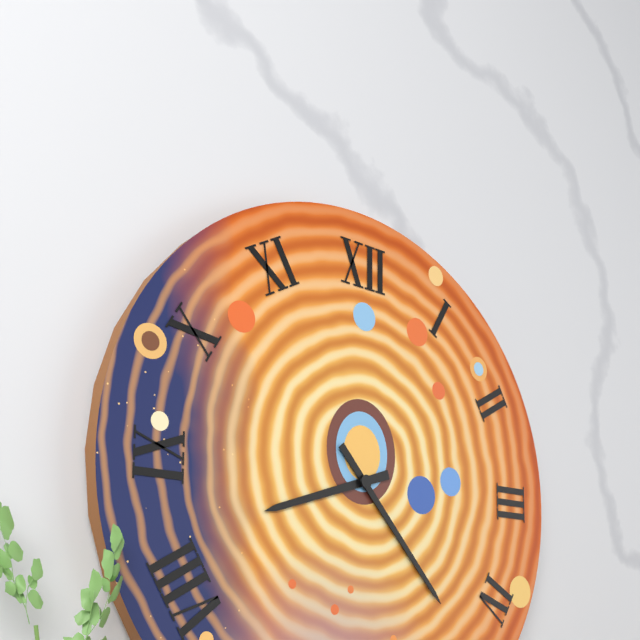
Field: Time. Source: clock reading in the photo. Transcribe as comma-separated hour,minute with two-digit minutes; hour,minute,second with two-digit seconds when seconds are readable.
8,23
